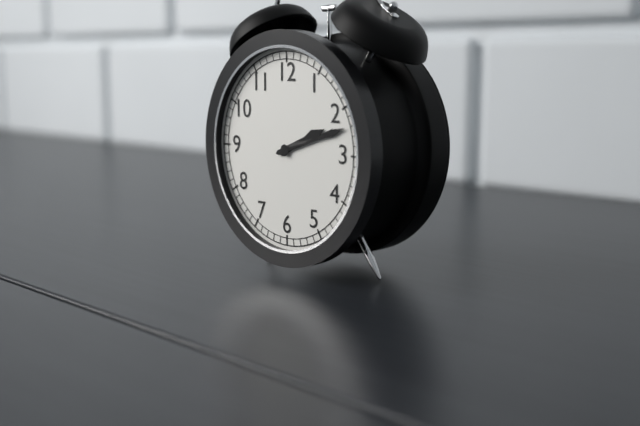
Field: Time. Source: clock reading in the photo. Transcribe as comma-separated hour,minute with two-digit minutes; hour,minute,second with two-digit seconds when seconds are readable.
2,12
